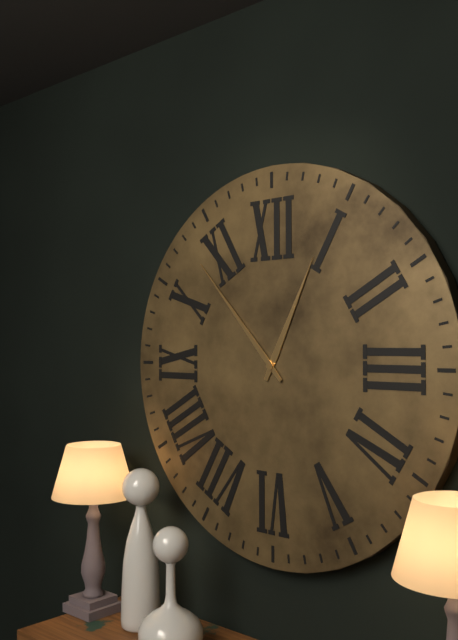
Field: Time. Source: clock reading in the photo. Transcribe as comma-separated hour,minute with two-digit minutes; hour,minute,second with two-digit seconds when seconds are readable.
12,53
